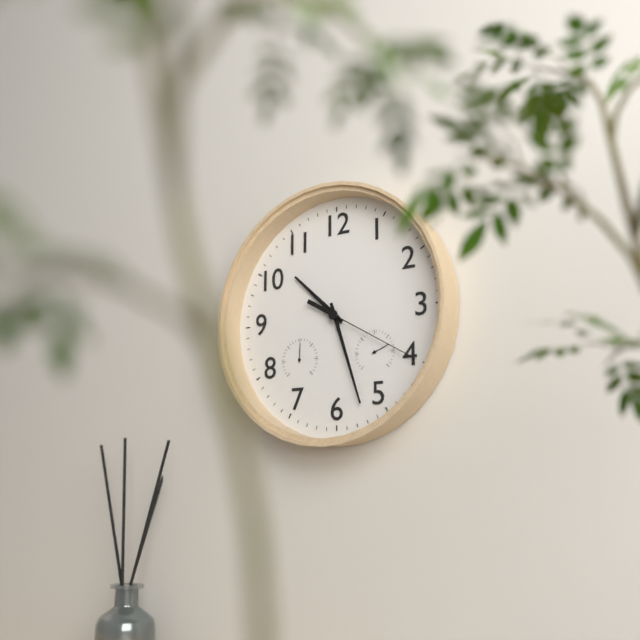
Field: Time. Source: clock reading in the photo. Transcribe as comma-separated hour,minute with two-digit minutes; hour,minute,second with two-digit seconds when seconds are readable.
10,27,20
